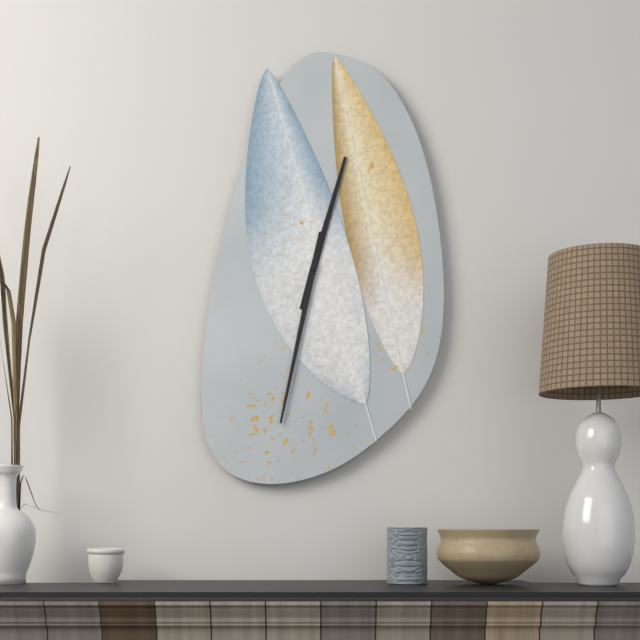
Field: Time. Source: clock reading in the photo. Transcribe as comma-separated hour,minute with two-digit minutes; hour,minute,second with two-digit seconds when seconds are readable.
12,32
